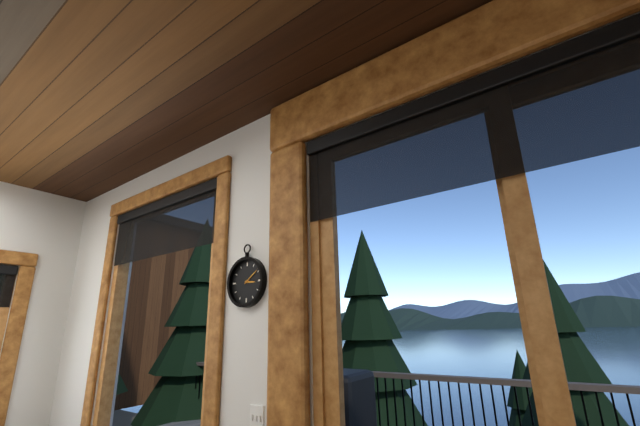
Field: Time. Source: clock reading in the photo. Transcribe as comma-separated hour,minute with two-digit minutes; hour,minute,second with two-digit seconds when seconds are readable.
3,09
